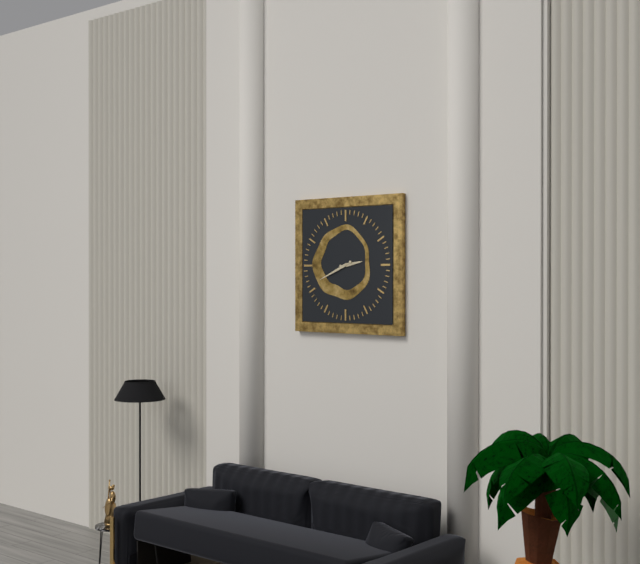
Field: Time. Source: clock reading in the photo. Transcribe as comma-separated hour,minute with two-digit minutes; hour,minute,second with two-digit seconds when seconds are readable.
2,41
